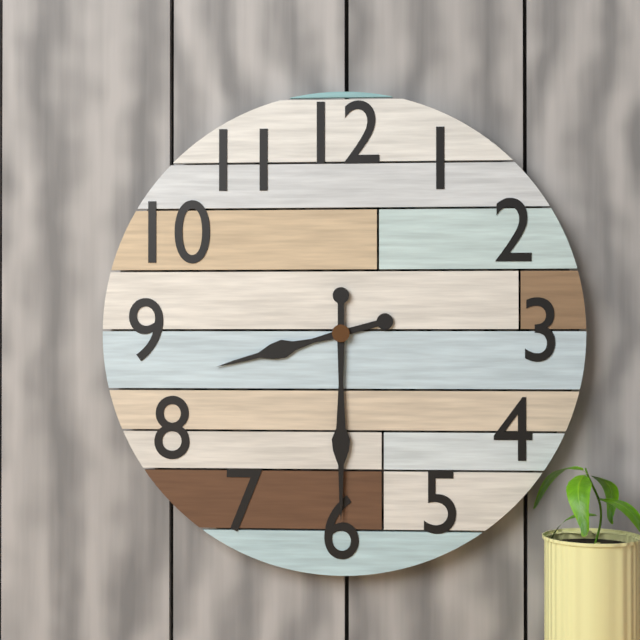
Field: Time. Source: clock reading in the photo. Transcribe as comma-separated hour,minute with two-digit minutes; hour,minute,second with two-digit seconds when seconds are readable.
8,30
